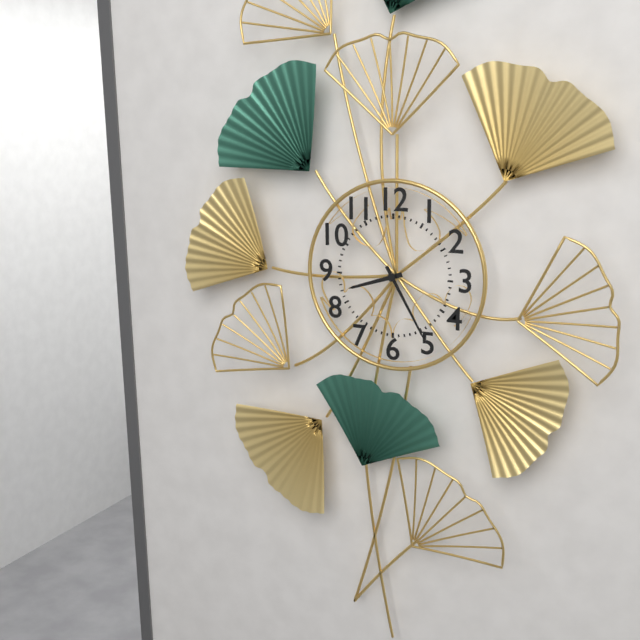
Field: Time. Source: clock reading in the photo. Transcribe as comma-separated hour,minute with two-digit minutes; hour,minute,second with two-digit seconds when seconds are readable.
8,25
